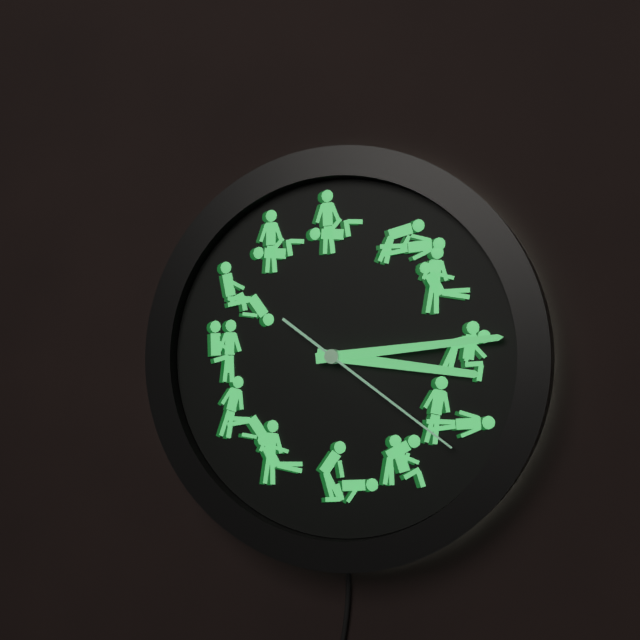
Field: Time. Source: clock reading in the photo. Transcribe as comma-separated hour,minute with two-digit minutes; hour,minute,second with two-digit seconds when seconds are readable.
3,14,21
